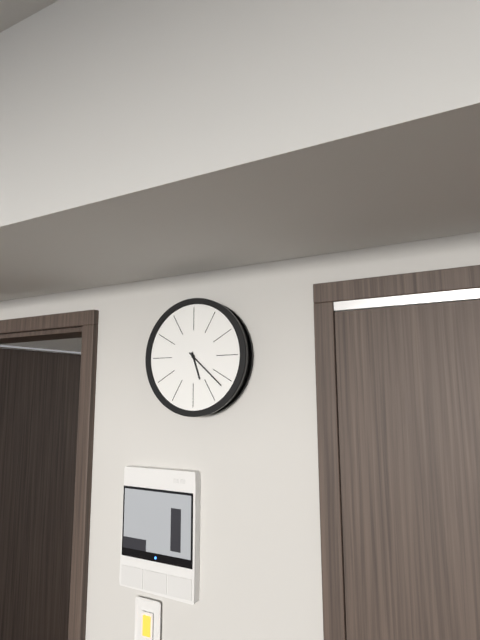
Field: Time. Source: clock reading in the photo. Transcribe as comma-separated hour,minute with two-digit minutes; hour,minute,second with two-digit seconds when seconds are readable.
5,22
